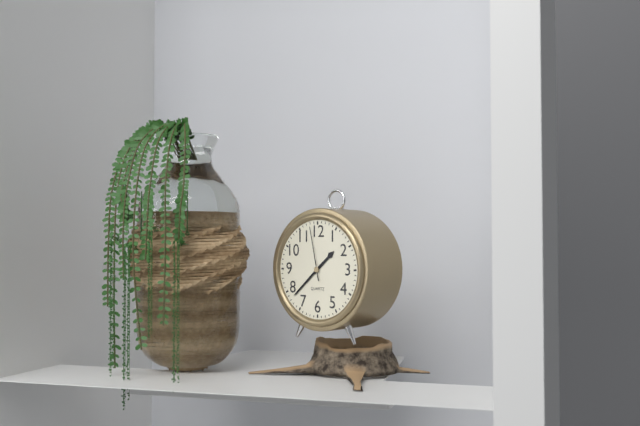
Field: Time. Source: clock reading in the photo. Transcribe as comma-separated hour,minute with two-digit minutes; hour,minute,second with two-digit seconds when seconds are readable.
1,38,58
